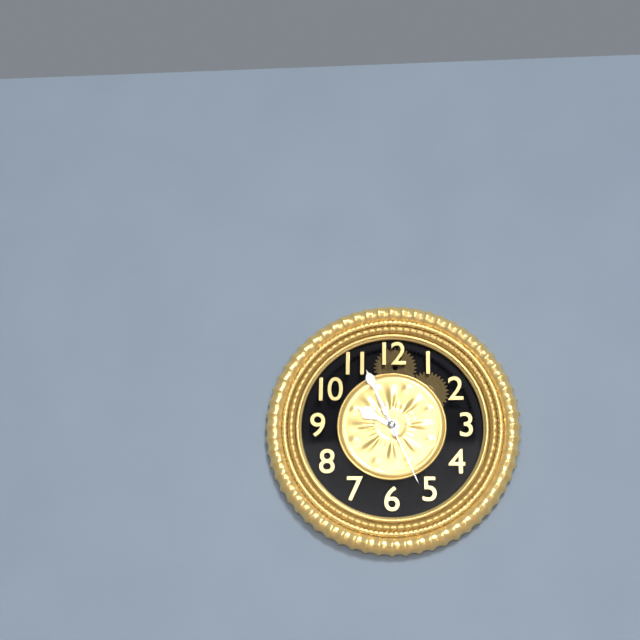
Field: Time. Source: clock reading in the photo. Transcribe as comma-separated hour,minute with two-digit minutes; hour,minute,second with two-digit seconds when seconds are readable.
9,56,26
